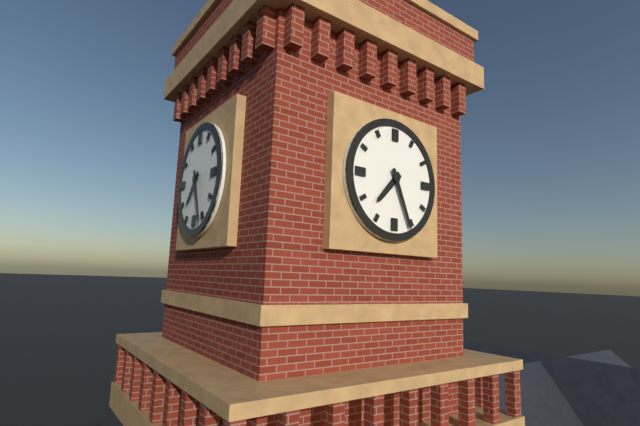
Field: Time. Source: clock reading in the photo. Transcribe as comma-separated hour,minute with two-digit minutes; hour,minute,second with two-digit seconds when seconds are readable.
7,26
